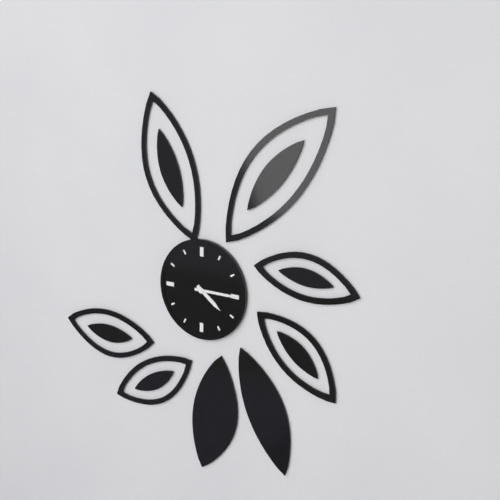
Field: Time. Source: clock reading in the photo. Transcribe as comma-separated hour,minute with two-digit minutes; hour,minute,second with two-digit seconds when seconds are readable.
4,15
